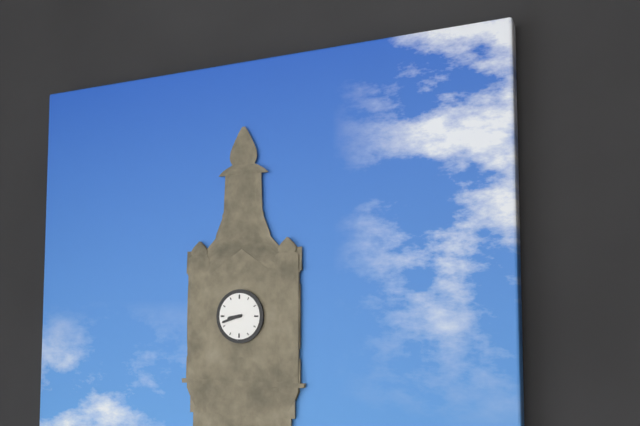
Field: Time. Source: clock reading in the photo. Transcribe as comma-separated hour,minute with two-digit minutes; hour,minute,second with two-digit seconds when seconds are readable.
8,42
